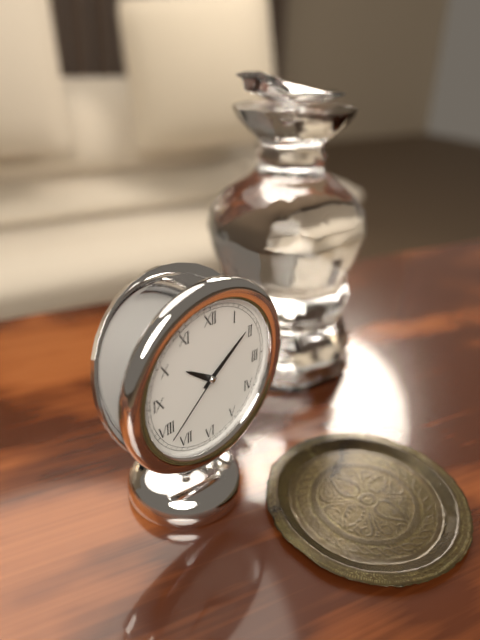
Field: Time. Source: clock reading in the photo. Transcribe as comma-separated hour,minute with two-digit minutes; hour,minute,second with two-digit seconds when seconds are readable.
10,09,38
